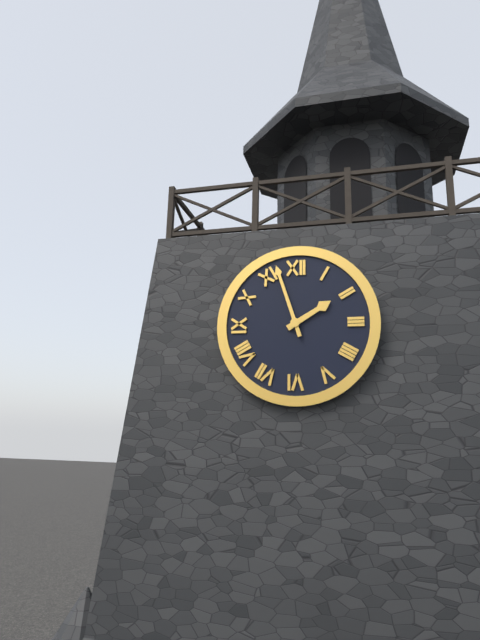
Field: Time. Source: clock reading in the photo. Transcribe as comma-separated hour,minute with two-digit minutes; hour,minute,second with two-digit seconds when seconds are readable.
1,57
